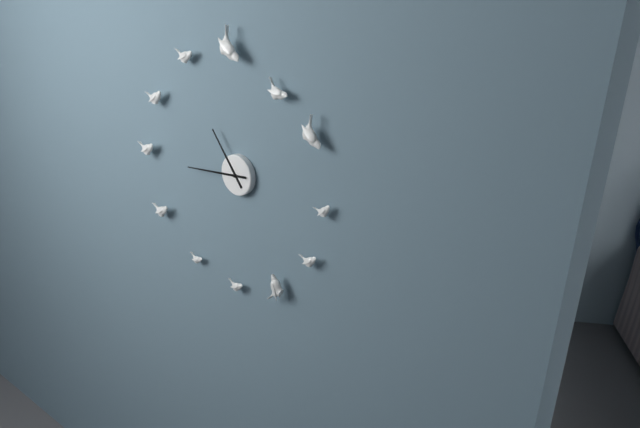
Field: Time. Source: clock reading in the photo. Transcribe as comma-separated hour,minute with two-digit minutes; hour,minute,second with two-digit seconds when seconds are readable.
10,44
